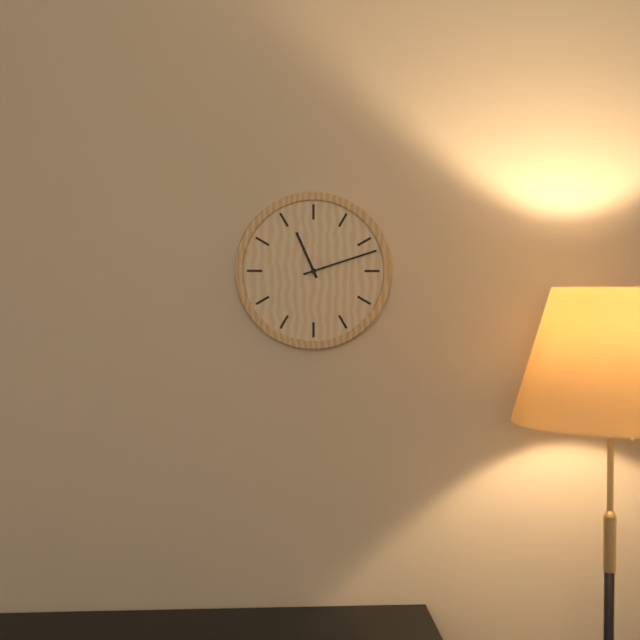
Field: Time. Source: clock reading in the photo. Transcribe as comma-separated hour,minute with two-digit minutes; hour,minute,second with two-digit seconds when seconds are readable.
11,12
